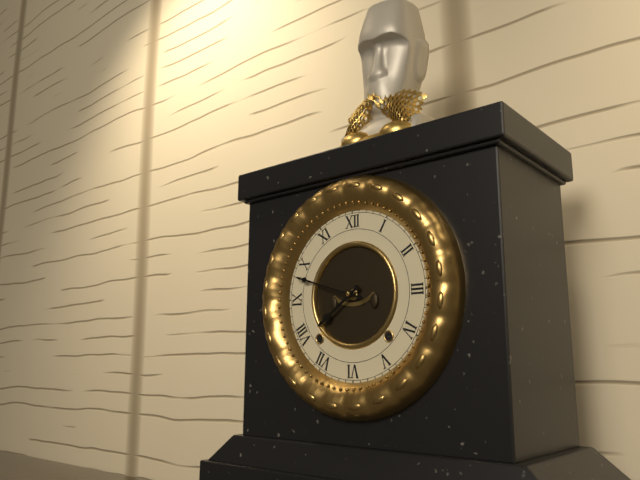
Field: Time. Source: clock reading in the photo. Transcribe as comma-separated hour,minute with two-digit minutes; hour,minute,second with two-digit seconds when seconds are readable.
7,48
